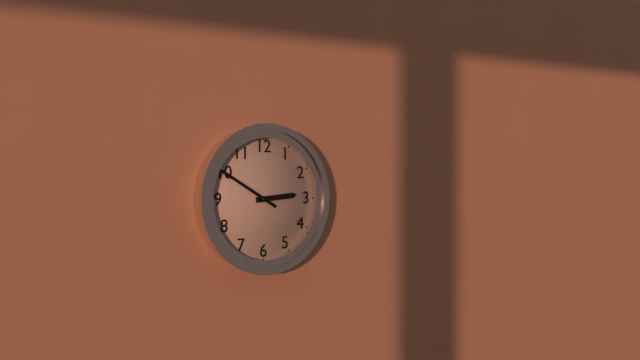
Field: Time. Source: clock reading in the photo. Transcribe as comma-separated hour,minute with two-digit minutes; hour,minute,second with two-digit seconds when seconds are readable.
2,50
